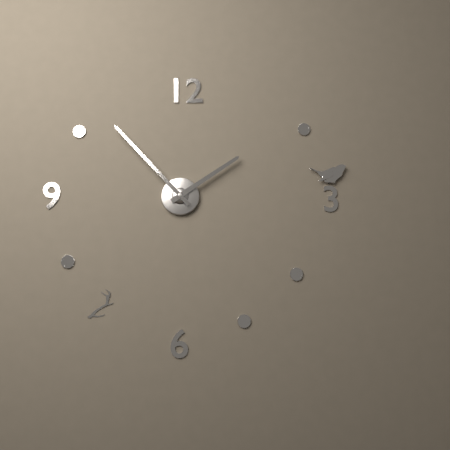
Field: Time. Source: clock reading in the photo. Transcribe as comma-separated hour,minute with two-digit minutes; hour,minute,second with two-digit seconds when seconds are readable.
1,53
